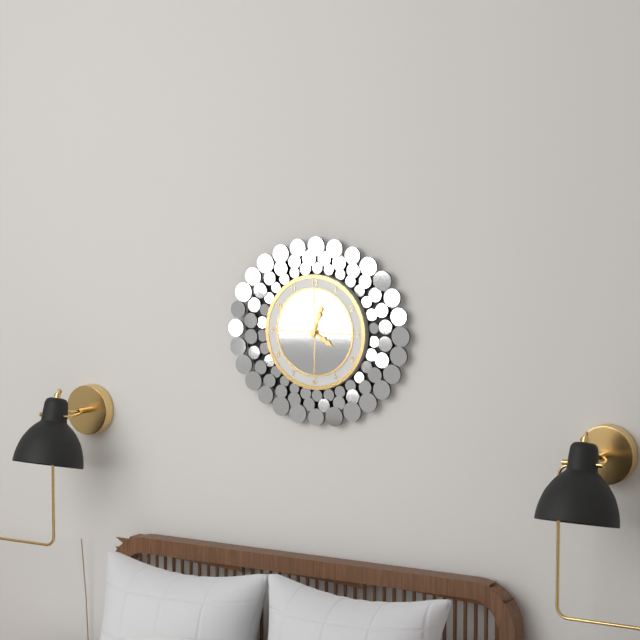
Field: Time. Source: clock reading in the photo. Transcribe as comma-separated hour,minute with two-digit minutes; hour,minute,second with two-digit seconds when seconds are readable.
4,03
